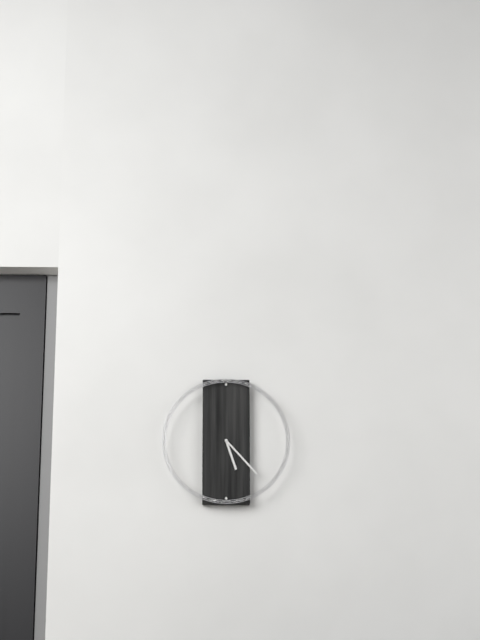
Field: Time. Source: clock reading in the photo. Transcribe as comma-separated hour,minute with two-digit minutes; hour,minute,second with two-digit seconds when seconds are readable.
5,23
